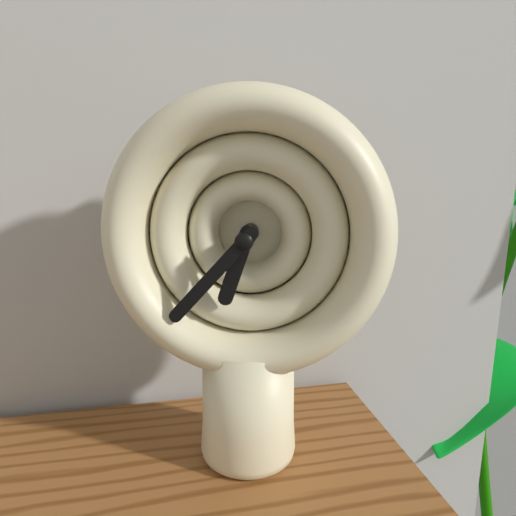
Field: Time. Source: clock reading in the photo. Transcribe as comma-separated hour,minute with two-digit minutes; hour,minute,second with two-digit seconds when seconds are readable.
6,37
